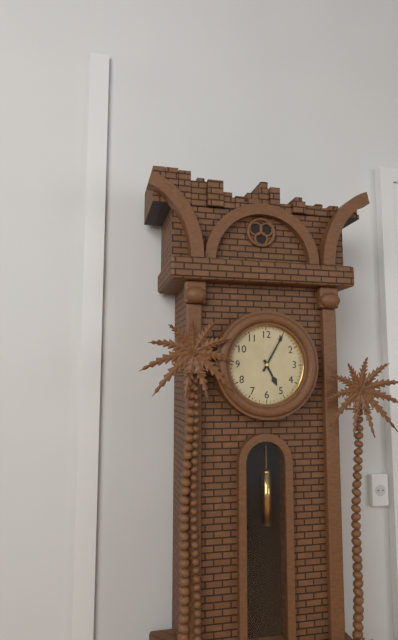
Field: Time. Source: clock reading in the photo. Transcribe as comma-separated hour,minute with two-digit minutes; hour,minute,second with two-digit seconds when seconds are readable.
5,05
